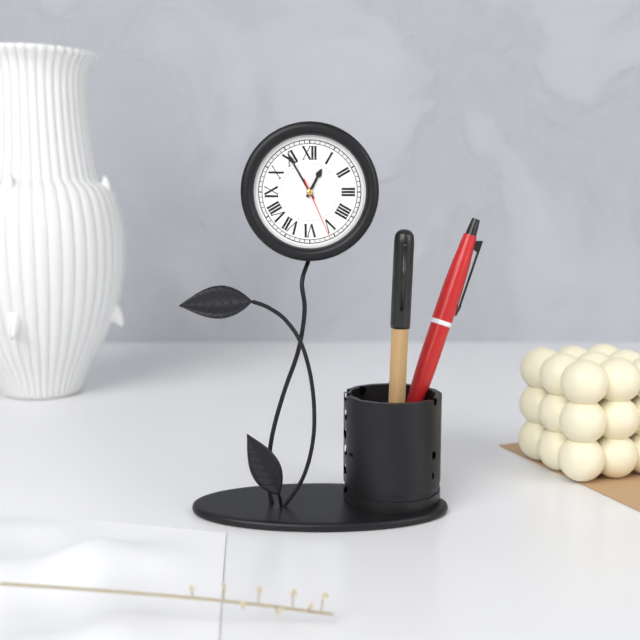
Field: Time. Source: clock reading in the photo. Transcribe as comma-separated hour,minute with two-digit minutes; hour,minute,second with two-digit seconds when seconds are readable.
12,55,26
